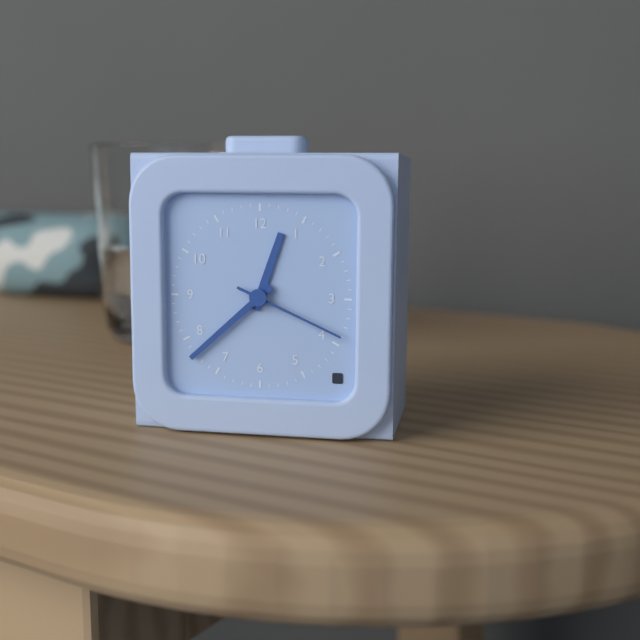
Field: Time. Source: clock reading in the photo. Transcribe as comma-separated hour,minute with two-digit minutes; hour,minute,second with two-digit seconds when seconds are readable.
12,38,19
